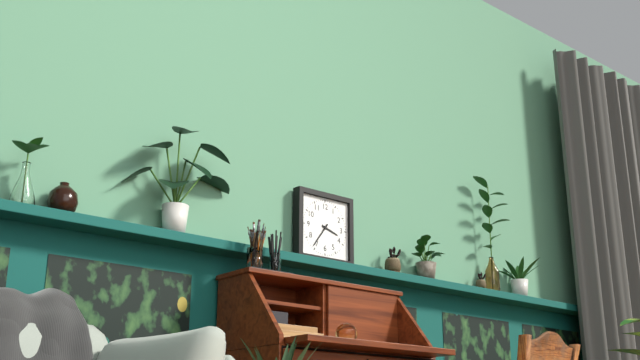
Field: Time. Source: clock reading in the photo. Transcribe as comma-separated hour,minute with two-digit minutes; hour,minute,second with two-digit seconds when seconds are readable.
3,36
